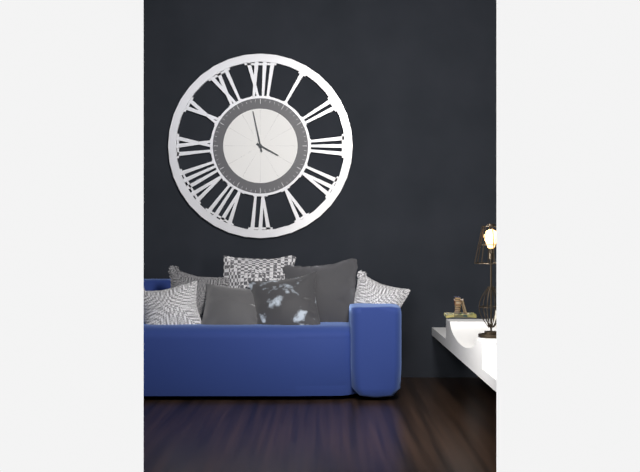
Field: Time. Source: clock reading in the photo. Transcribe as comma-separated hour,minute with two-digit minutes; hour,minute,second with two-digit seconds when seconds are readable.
3,58
